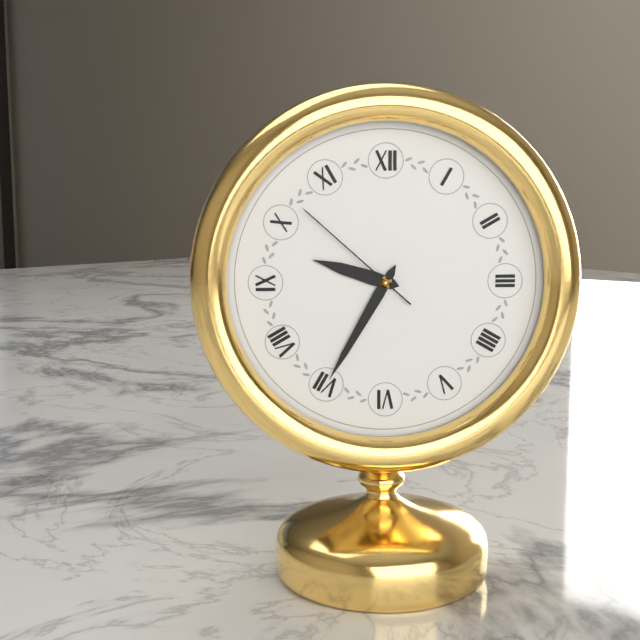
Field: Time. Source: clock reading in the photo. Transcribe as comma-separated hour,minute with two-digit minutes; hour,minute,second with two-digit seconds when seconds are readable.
9,35,52
